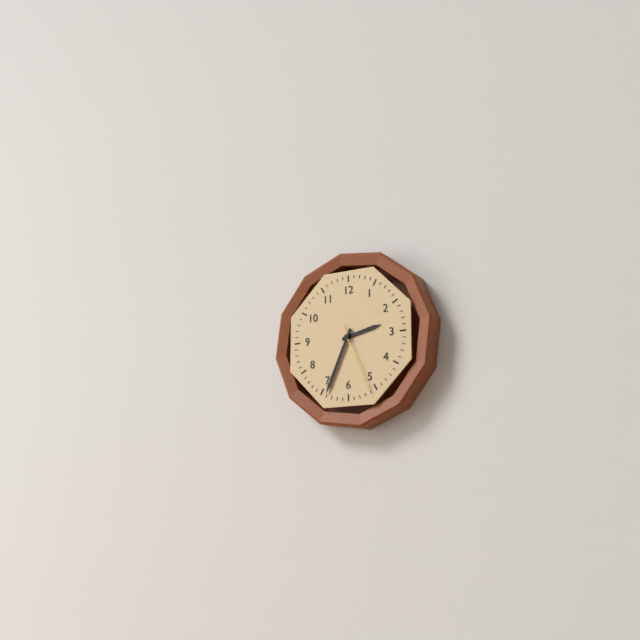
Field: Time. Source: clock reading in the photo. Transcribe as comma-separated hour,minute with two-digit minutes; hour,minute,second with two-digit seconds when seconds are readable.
2,34,26
